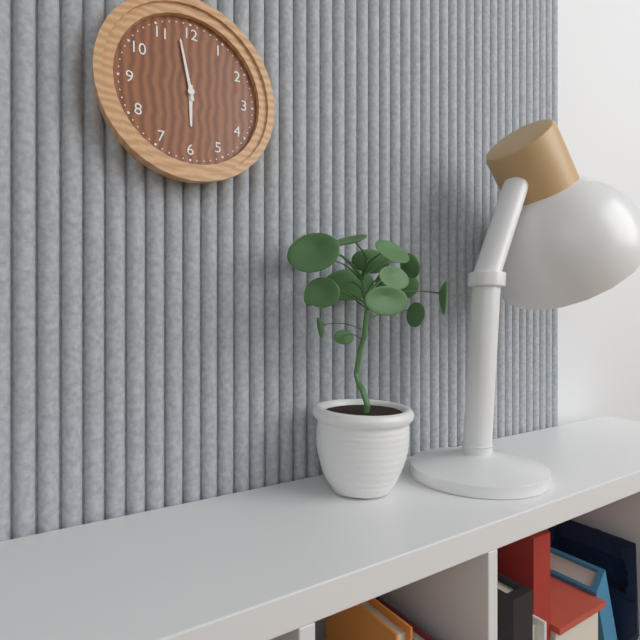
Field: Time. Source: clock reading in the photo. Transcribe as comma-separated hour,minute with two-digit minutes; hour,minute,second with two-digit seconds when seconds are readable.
5,58
